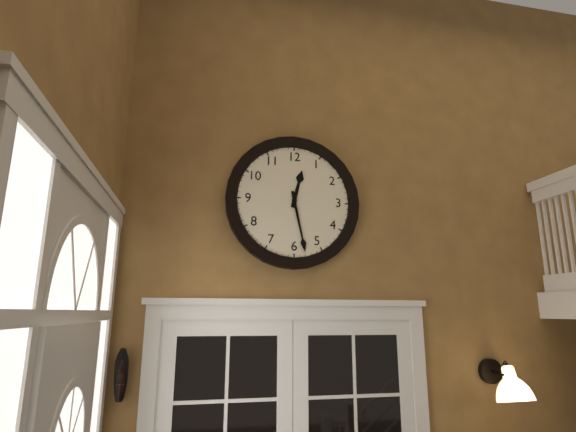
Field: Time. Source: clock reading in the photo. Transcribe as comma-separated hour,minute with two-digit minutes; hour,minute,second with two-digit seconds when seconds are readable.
12,28
